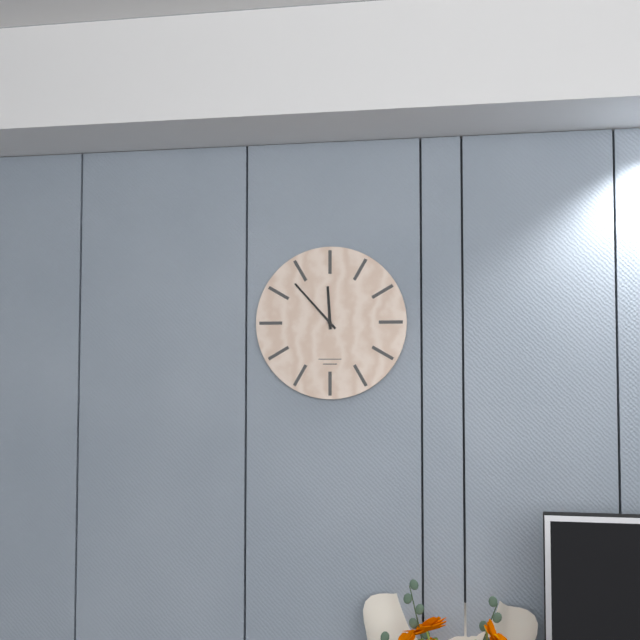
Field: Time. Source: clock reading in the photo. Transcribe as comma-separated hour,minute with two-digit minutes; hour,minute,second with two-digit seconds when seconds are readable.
11,53
